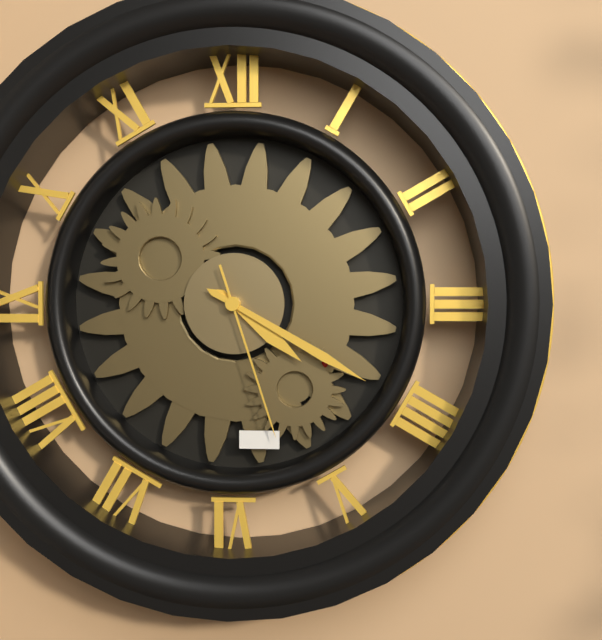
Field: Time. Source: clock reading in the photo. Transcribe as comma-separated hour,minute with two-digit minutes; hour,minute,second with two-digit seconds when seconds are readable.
4,20,27
